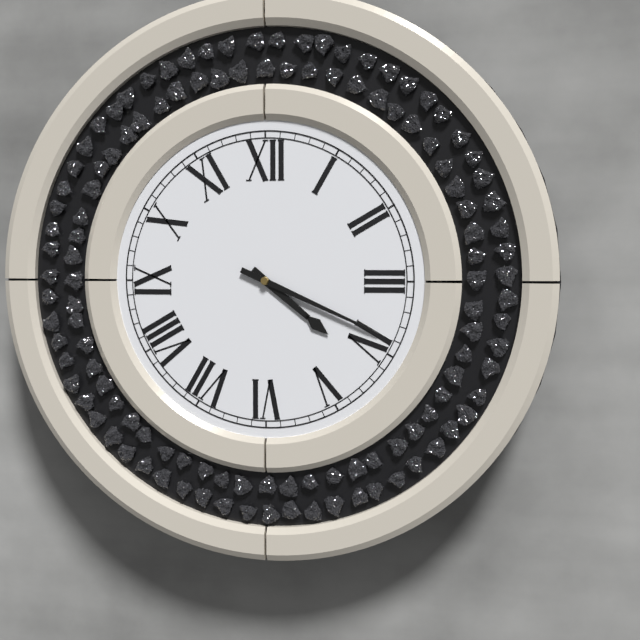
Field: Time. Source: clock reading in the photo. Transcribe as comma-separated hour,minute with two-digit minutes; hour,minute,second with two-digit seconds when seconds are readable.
4,19
